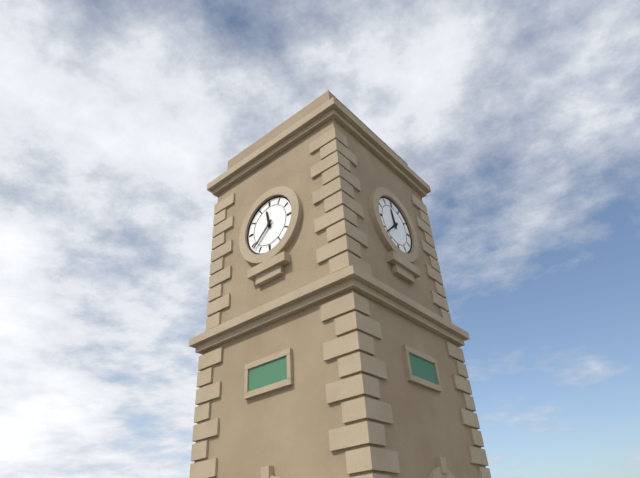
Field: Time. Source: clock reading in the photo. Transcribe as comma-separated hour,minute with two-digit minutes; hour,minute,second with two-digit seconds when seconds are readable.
11,38
